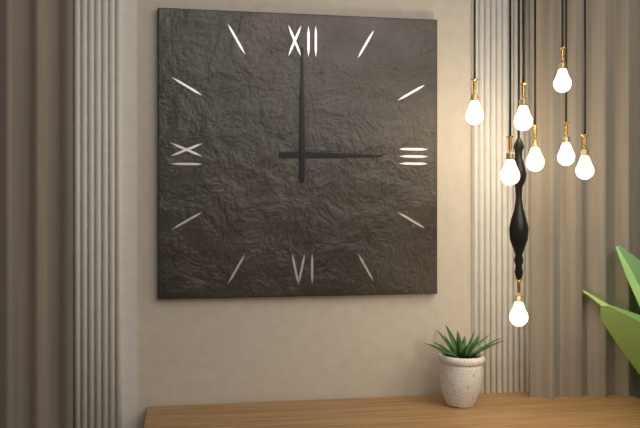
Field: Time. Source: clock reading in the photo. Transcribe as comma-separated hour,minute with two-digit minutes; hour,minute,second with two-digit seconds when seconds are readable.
3,00
